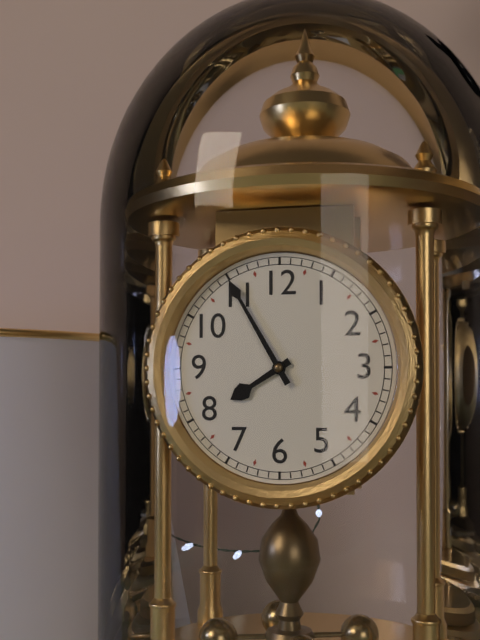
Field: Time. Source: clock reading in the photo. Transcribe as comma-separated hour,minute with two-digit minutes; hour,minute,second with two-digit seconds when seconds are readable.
7,55
